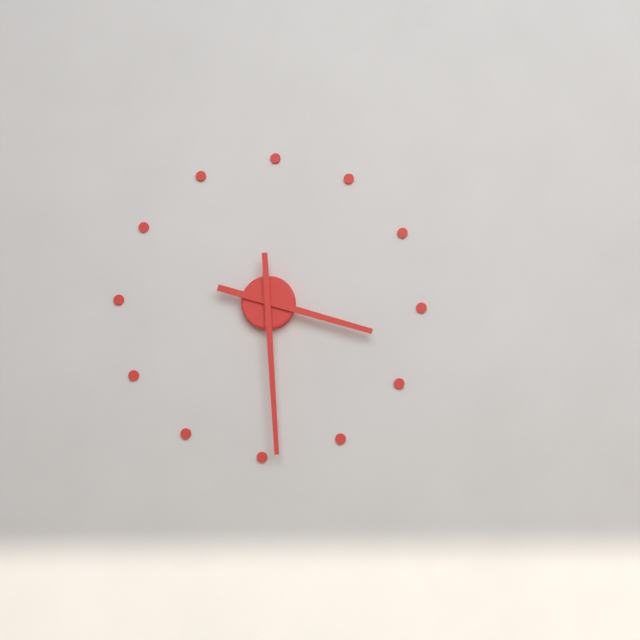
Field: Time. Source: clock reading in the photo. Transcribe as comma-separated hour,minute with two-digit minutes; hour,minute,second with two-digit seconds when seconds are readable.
3,29
